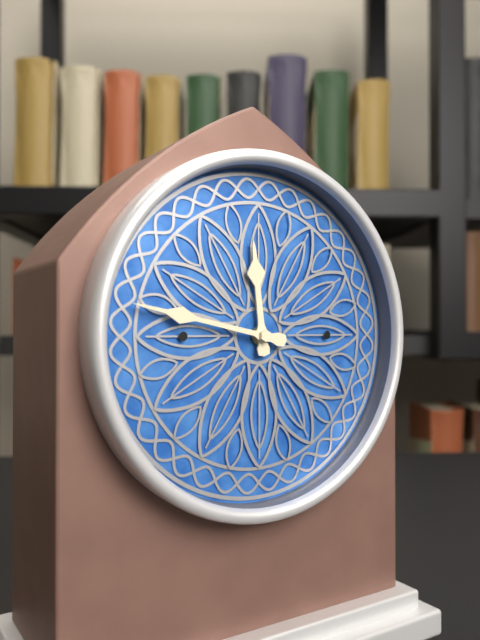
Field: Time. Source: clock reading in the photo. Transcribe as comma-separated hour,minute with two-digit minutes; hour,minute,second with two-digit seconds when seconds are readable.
11,47
